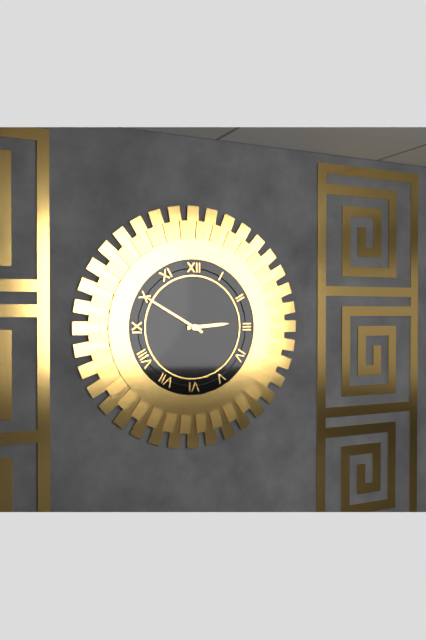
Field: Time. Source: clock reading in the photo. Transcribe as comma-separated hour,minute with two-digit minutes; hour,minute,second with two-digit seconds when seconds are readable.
2,50
